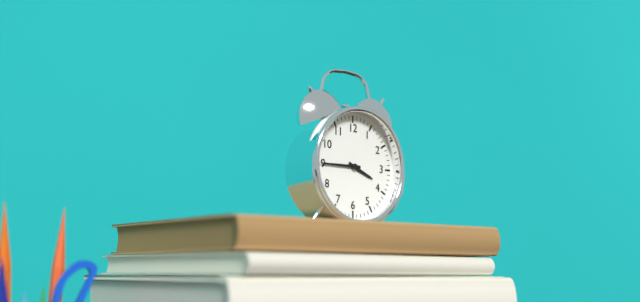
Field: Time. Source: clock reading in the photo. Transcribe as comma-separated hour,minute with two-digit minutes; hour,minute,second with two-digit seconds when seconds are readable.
3,45
